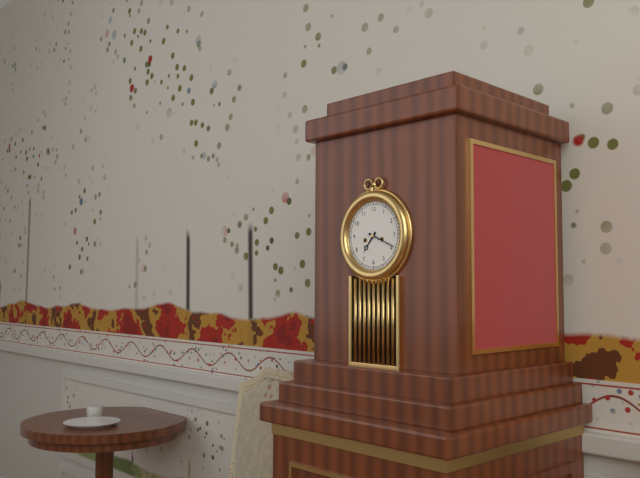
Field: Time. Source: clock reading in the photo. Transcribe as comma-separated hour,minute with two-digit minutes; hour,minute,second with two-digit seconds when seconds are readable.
7,19
